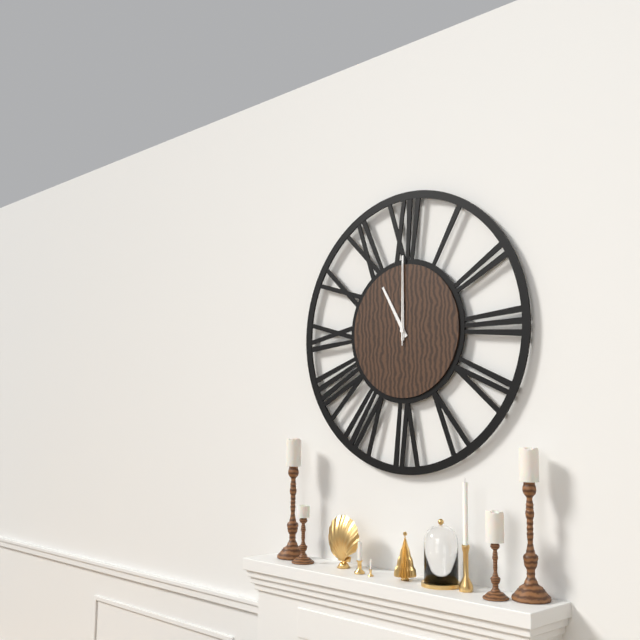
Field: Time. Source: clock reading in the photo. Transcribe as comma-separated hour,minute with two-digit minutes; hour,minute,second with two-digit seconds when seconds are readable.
11,00,00
